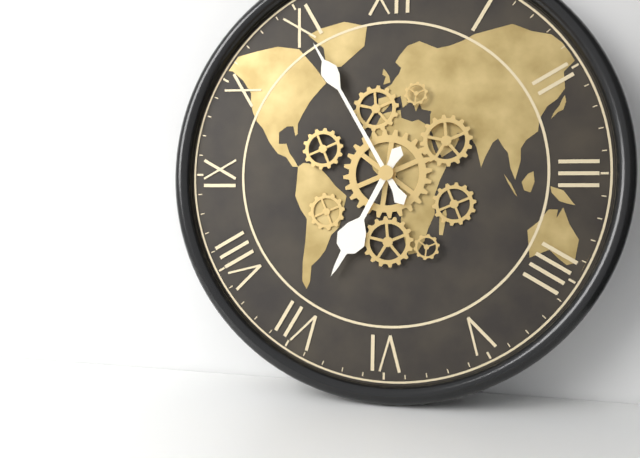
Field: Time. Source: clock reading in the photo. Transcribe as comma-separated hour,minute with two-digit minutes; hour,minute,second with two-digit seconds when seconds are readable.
6,55
